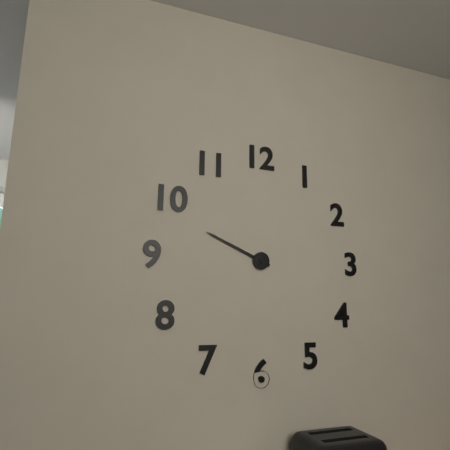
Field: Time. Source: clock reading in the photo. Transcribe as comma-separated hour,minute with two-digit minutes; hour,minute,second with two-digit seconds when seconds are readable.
9,49
